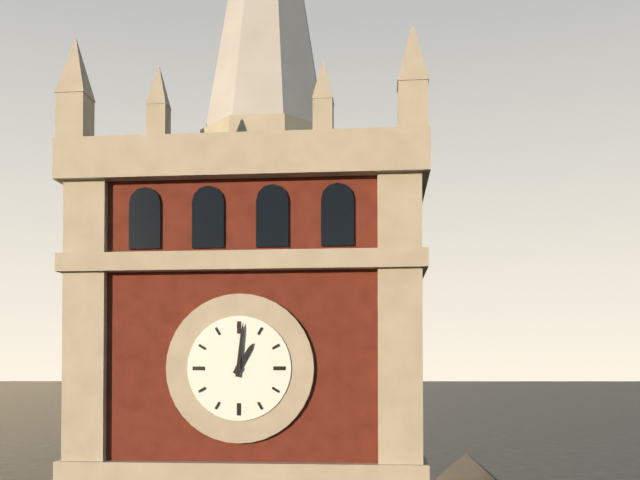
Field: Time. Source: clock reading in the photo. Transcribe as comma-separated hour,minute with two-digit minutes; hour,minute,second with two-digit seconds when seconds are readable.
1,01
